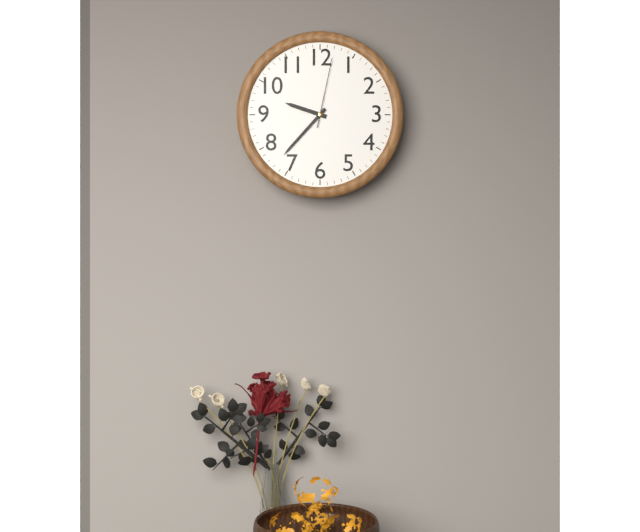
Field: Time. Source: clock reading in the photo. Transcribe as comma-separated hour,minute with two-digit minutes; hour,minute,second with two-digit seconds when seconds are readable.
9,37,02
